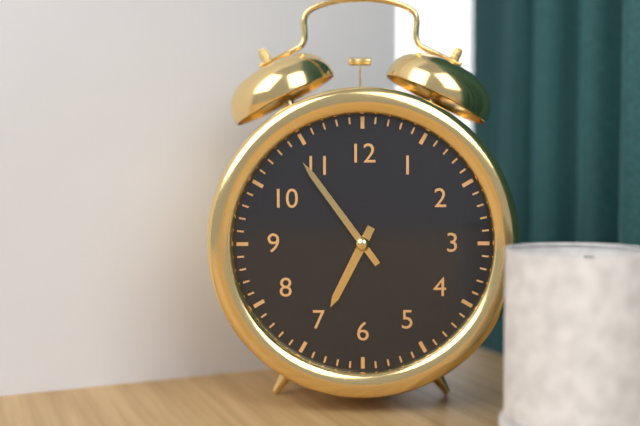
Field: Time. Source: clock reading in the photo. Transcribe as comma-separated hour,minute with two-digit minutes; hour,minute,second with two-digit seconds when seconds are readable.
6,54
